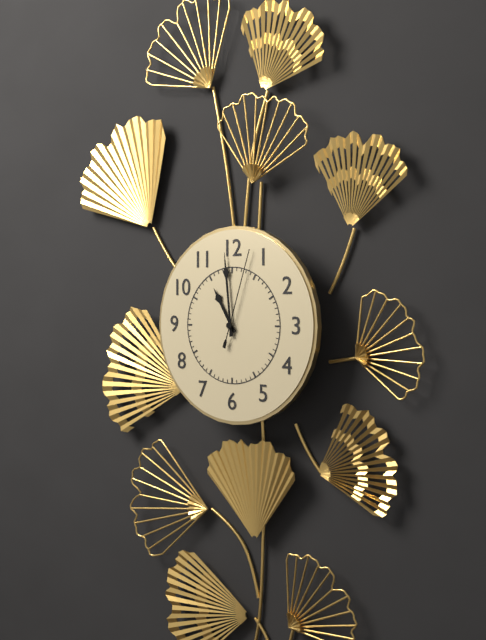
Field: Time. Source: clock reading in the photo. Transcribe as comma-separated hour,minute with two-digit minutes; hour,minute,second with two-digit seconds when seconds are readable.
10,59,03
